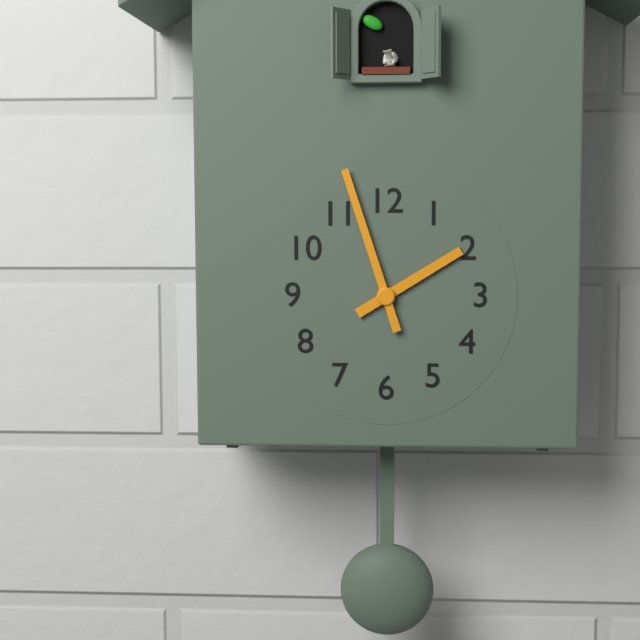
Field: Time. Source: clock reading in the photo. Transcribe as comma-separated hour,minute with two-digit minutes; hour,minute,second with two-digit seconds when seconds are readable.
1,57
